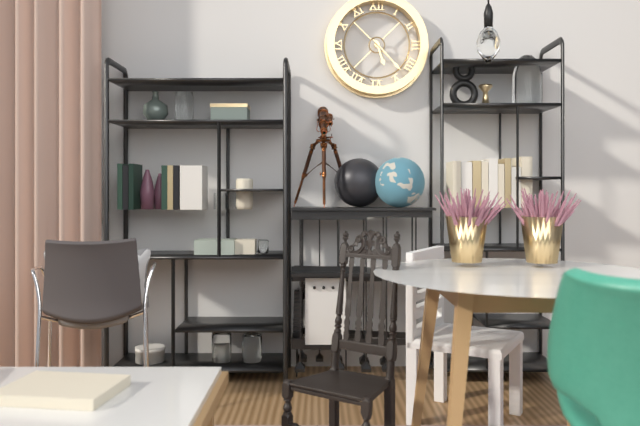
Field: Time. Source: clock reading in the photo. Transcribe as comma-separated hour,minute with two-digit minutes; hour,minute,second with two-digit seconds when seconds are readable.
5,23
